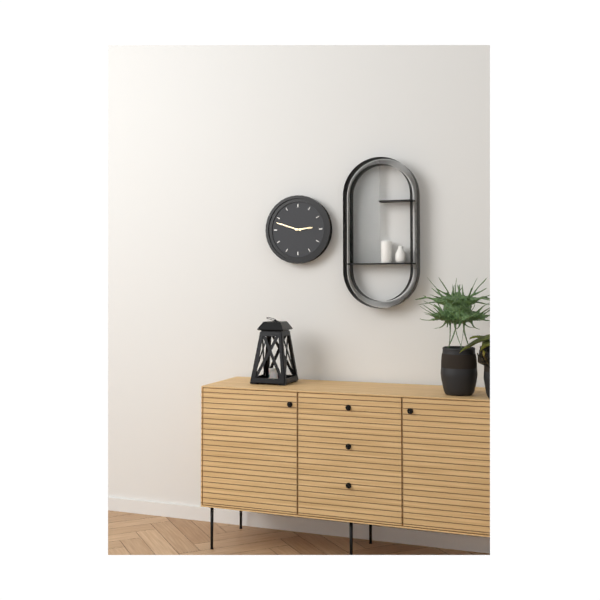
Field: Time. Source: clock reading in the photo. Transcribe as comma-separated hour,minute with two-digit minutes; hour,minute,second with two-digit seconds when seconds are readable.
2,48
